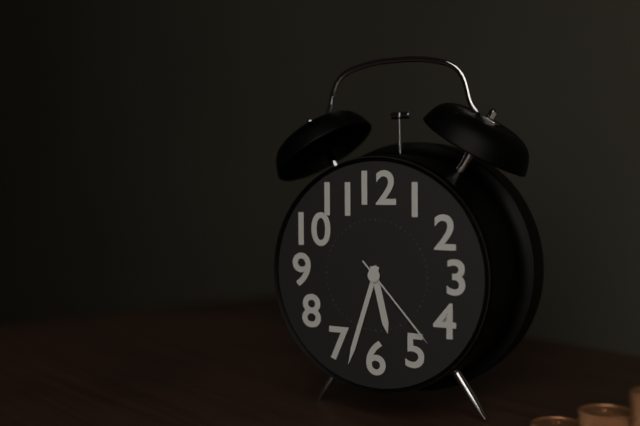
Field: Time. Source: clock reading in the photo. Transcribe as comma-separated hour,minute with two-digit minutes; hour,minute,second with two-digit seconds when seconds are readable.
5,33,23
